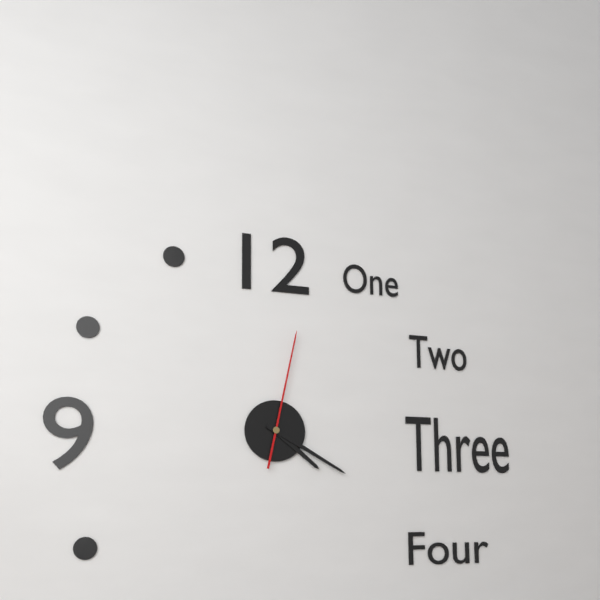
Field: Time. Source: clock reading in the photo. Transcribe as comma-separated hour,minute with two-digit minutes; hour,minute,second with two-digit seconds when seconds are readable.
4,20,02
